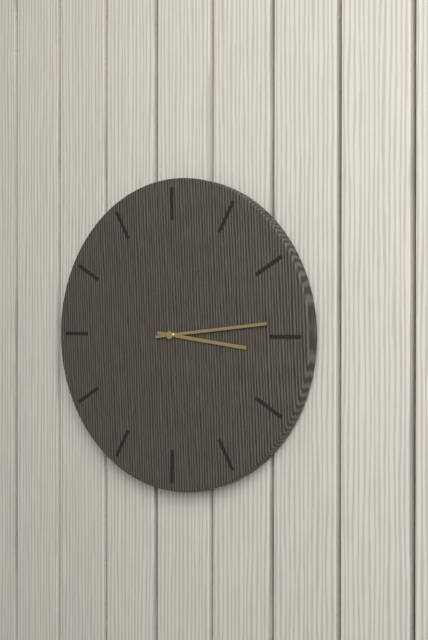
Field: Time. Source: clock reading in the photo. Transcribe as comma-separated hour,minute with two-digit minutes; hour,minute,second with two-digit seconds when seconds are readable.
3,14
